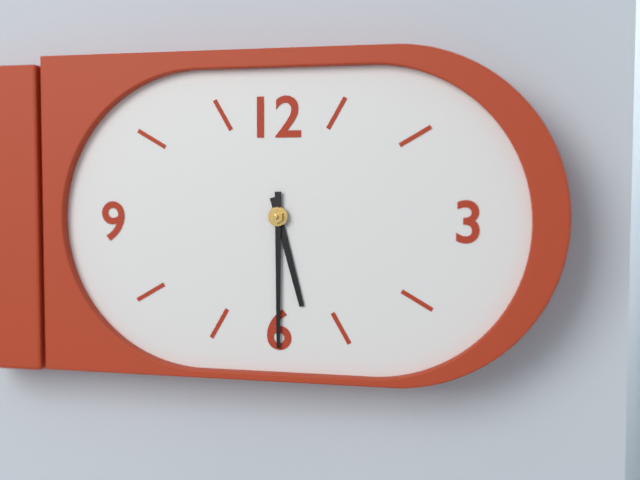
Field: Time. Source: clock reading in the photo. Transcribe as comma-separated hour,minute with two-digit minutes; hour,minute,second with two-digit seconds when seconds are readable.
5,30
